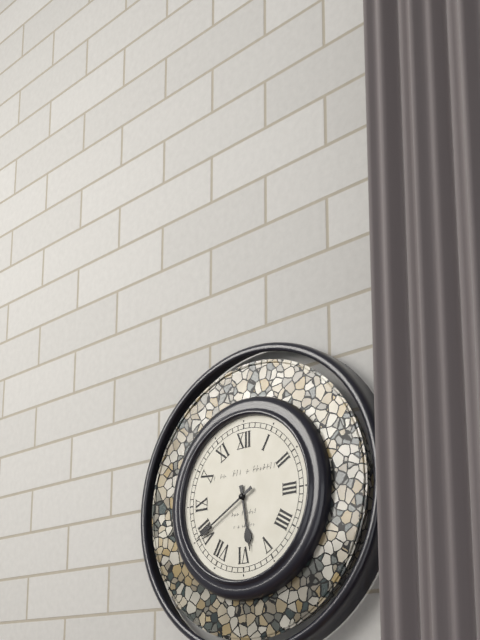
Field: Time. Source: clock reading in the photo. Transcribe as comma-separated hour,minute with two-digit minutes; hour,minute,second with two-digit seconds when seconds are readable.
5,40
